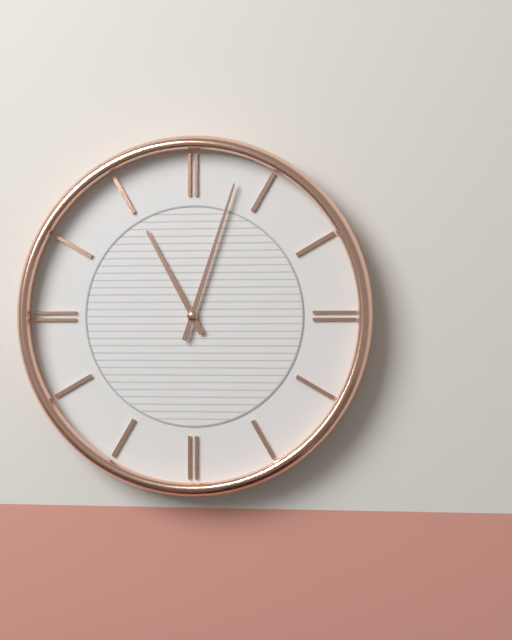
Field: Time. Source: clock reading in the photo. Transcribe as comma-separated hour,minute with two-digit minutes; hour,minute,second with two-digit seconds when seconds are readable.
11,03
